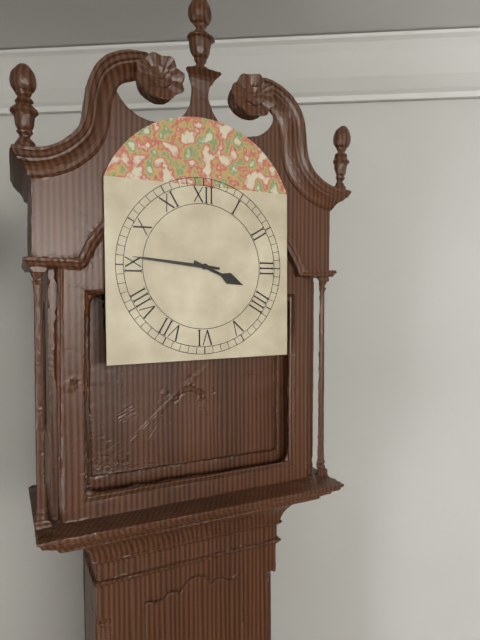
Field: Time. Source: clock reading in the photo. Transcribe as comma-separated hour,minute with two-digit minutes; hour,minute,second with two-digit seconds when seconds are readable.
3,46
